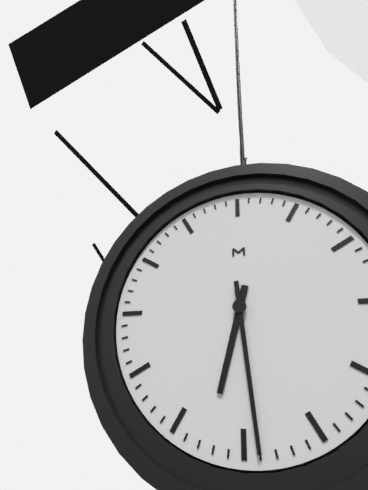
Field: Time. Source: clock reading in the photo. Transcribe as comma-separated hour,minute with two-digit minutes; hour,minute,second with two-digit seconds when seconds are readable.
6,29
